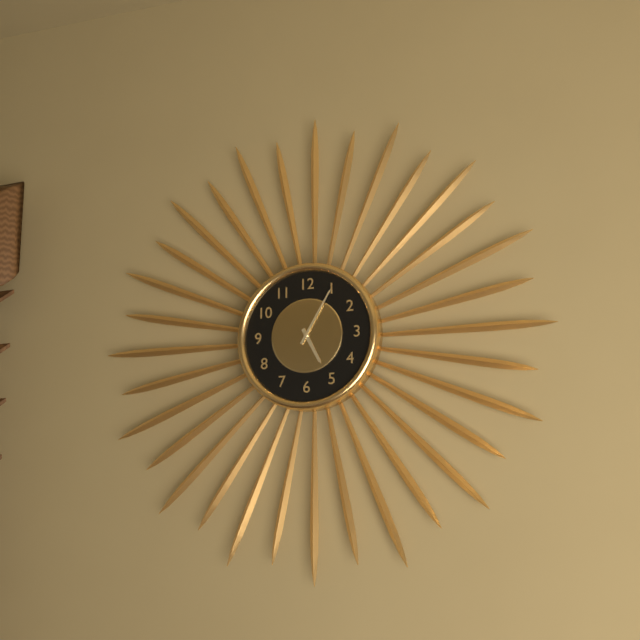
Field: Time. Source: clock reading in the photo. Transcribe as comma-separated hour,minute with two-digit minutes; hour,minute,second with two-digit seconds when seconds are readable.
5,05
